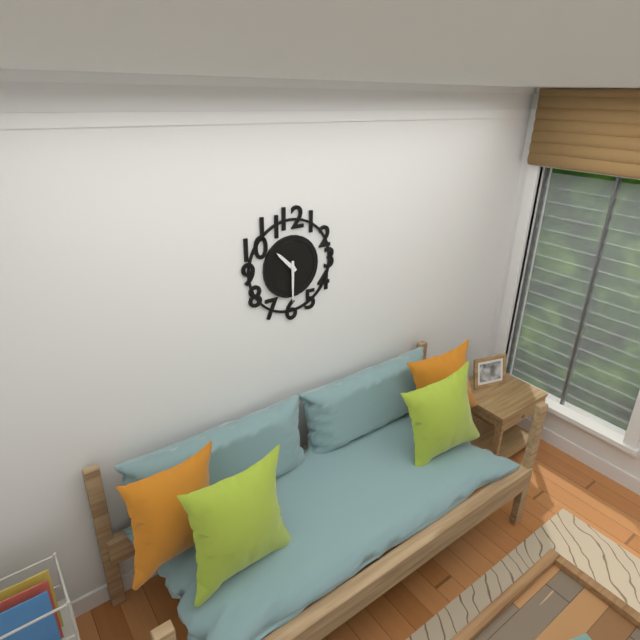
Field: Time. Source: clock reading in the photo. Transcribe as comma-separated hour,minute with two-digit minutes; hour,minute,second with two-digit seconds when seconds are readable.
10,30
